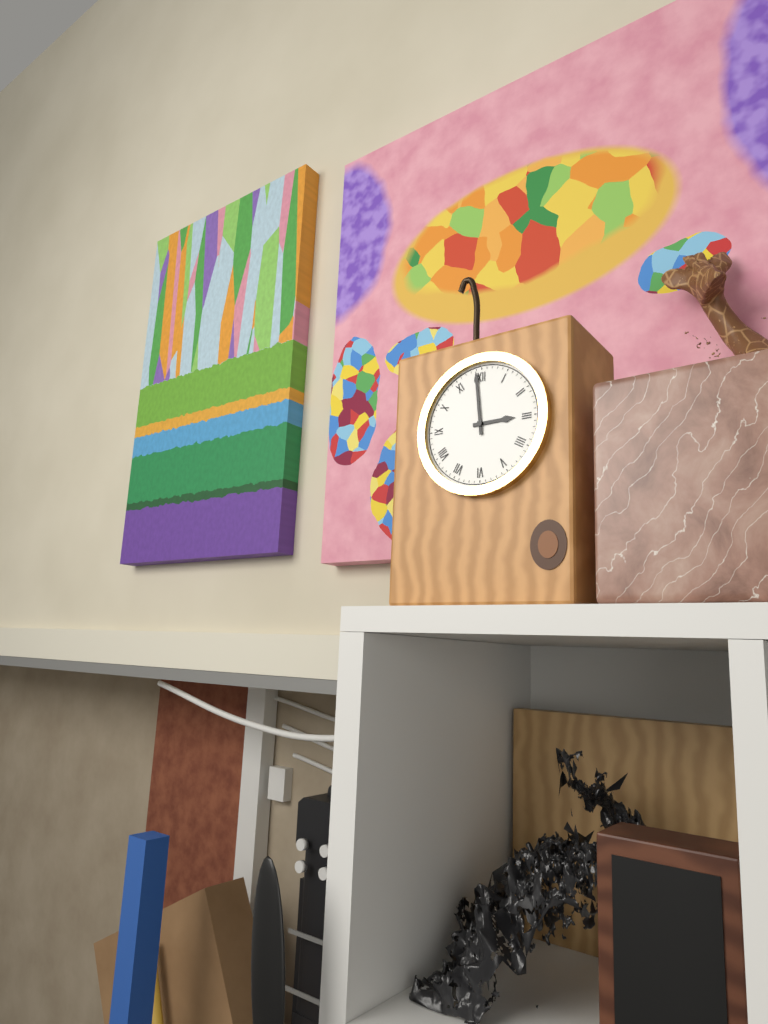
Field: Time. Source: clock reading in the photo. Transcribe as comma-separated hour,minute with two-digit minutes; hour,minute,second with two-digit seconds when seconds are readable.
2,59
